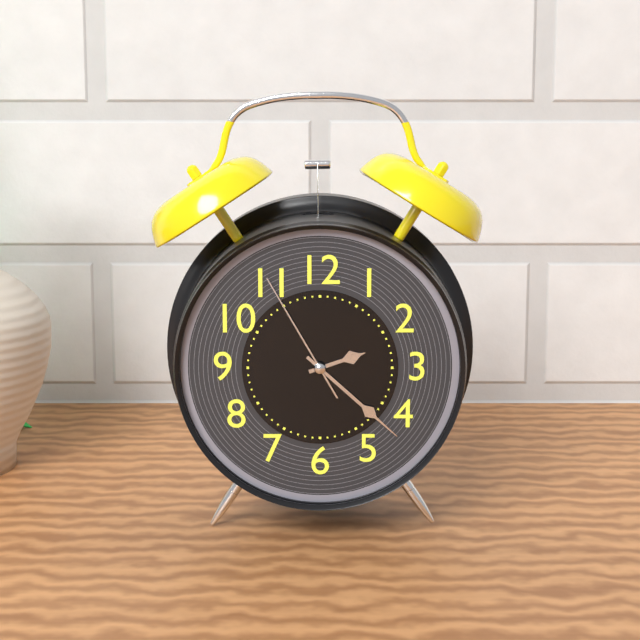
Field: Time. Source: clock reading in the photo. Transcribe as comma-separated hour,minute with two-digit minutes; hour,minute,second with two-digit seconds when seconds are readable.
2,22,55
